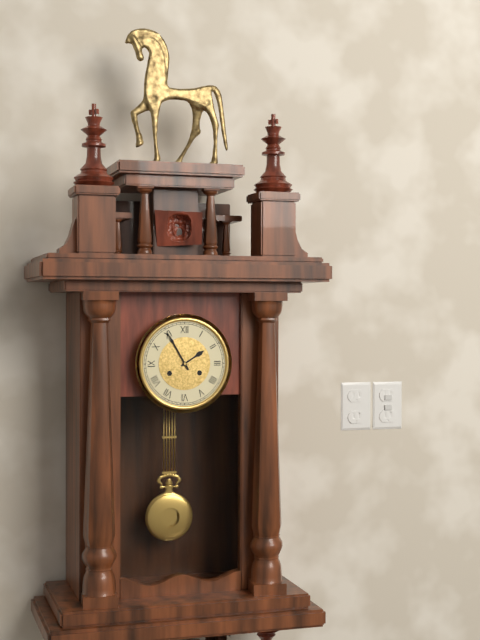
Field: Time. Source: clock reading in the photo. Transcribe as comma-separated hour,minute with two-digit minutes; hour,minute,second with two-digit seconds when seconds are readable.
1,55
